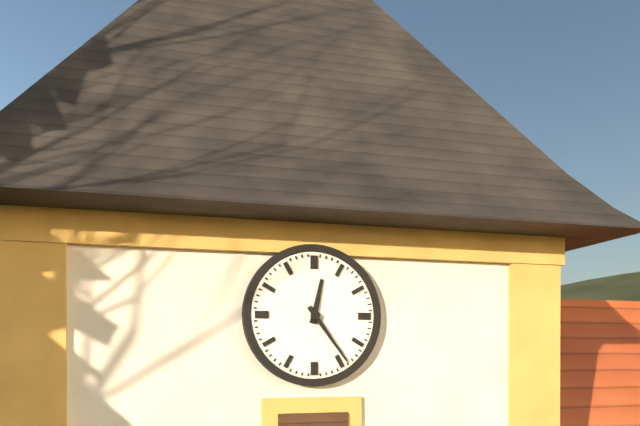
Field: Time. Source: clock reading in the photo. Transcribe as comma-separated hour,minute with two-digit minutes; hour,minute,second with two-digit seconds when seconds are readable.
12,24
